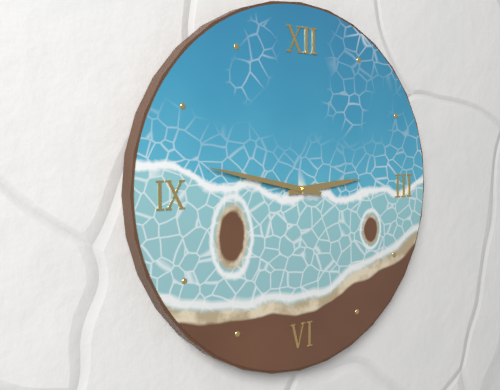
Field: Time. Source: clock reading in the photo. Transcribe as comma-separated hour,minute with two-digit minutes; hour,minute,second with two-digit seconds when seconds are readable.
2,47
